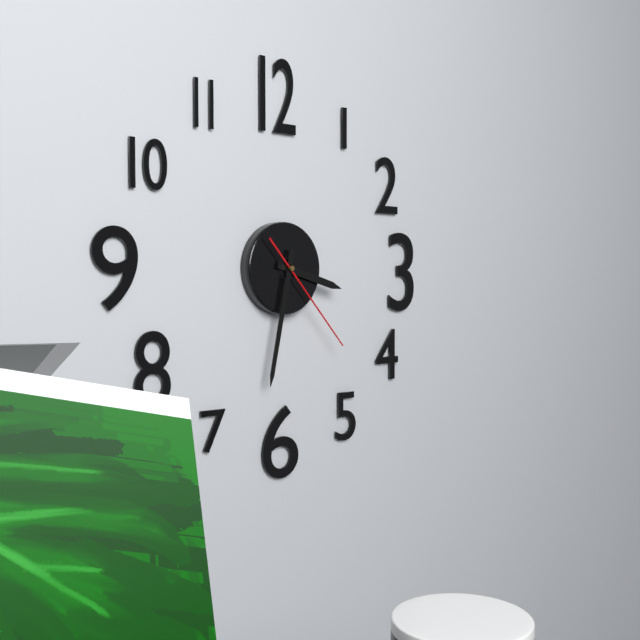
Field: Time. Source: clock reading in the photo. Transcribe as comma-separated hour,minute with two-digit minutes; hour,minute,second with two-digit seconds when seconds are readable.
3,32,23
